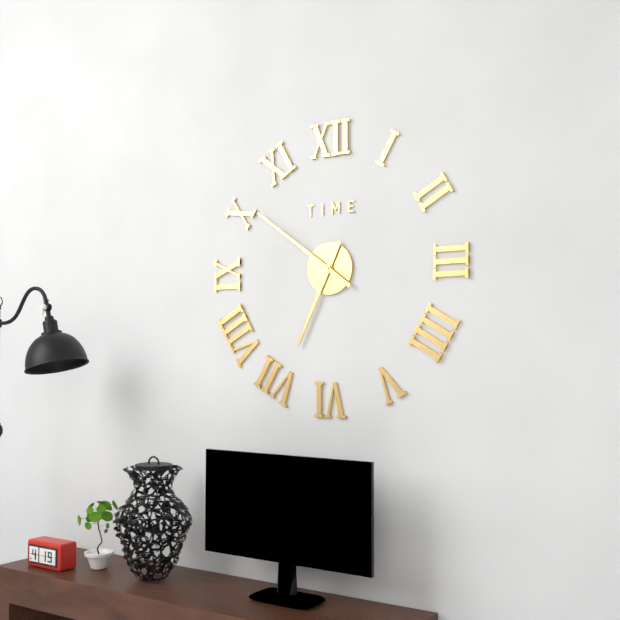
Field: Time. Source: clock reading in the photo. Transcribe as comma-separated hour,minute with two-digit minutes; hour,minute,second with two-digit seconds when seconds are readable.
6,51
